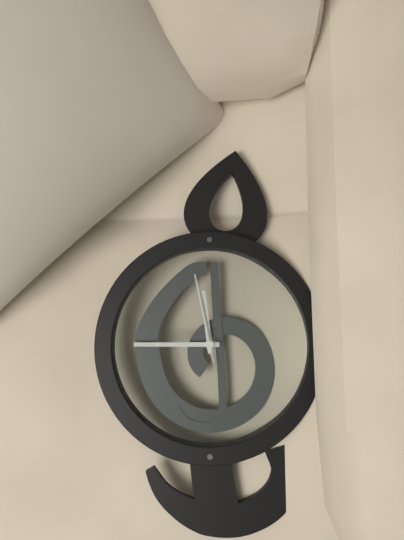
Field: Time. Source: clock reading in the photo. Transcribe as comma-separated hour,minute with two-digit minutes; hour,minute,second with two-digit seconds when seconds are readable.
11,45,58
